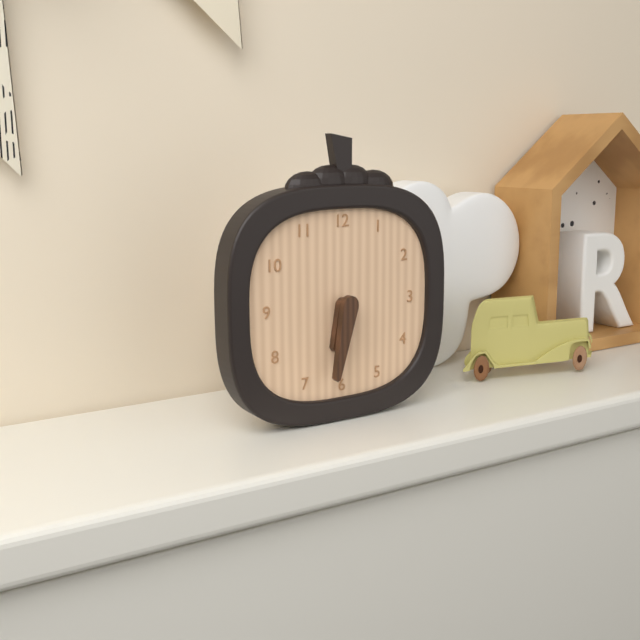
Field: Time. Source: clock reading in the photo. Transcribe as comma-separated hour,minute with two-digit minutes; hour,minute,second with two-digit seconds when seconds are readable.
6,32
